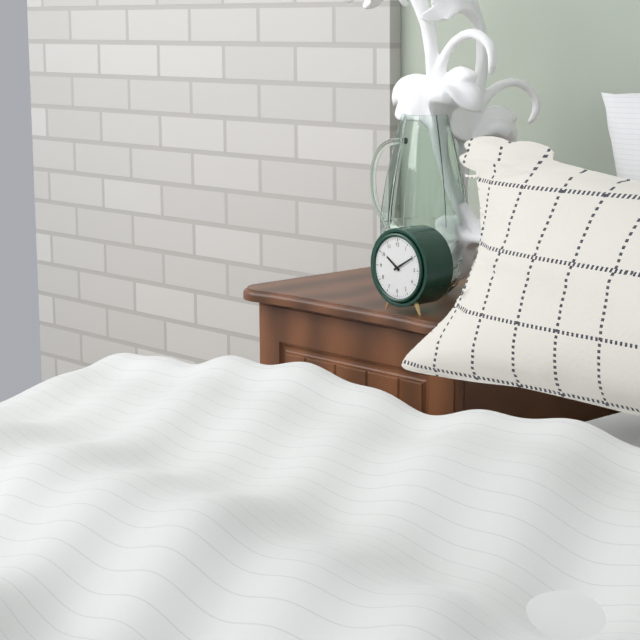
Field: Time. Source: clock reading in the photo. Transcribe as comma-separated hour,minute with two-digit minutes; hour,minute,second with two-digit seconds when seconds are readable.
10,10
